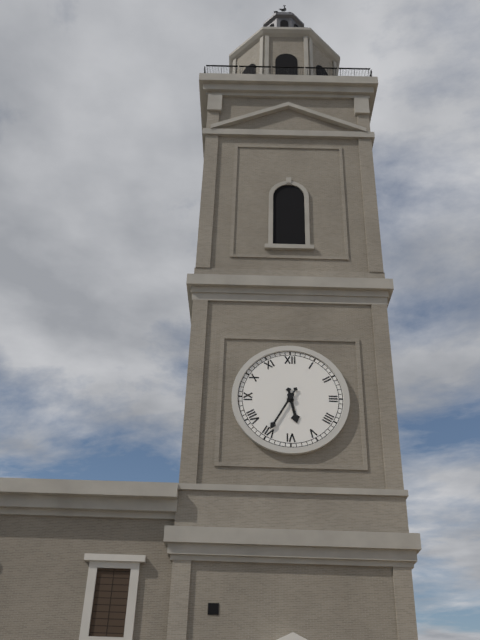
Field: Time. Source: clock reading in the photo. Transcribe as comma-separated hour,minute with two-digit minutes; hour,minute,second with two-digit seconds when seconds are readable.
5,35
